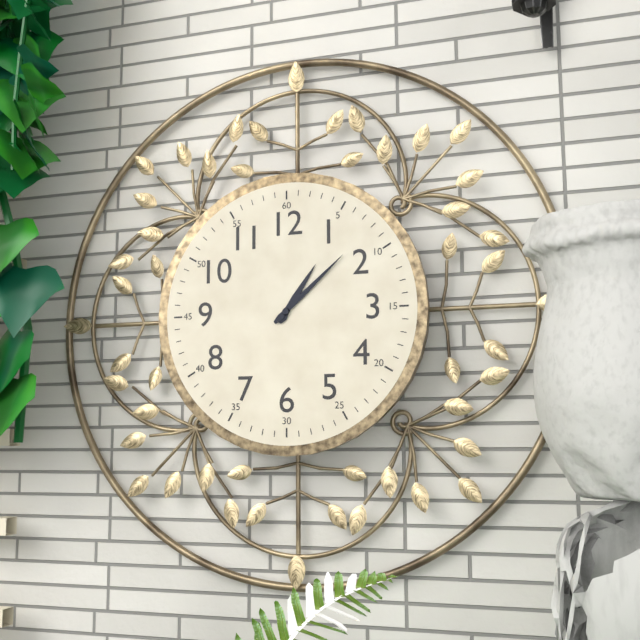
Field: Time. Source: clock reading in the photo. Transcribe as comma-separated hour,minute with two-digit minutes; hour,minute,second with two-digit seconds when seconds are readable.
1,08
